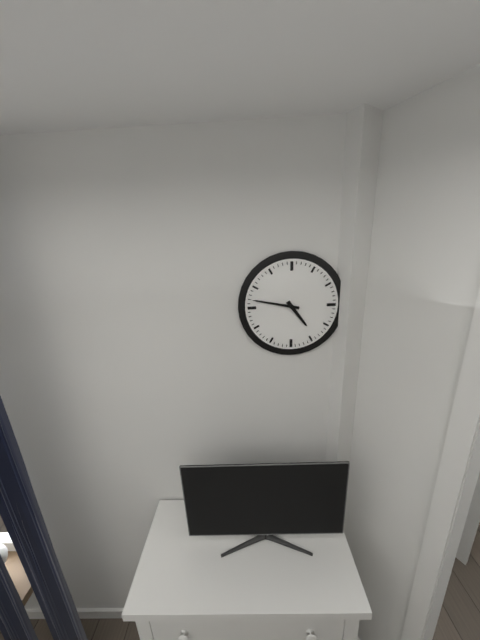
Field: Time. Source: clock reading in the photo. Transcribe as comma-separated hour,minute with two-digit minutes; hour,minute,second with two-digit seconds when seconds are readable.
4,47
